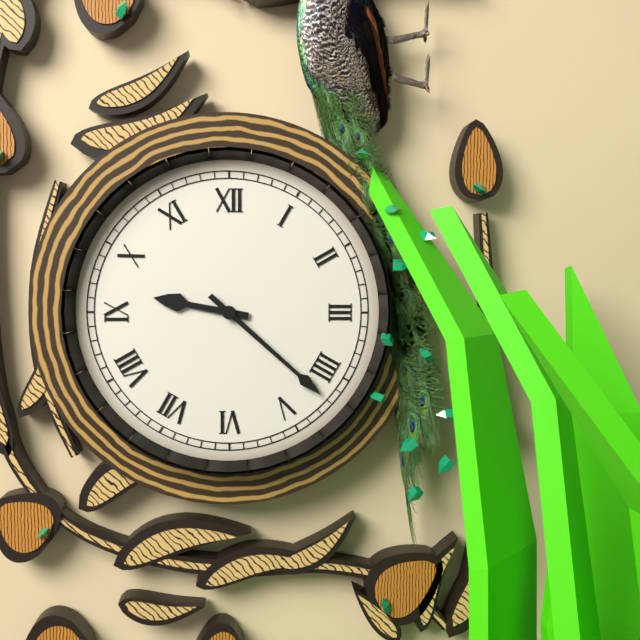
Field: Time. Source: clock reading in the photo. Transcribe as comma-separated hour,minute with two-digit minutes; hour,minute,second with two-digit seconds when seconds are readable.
9,22
